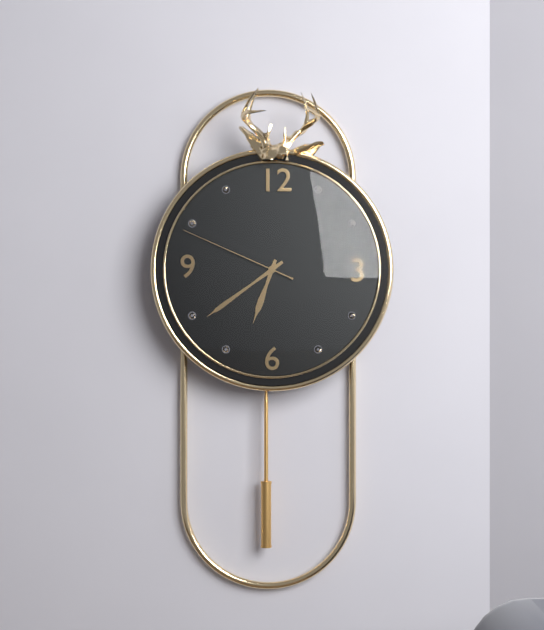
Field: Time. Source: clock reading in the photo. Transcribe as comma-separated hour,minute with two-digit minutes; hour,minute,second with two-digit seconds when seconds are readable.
6,39,49
